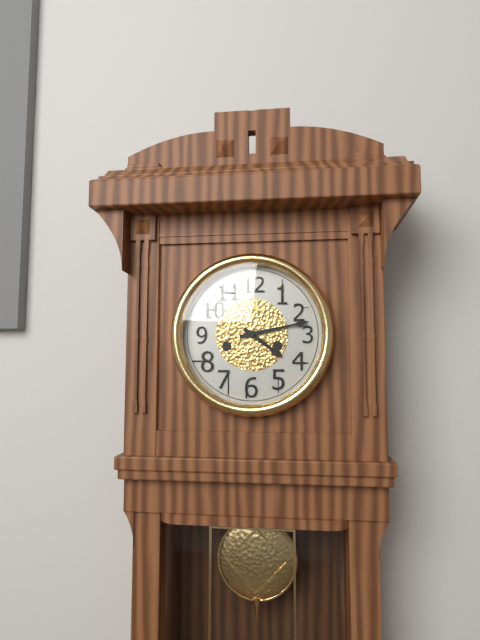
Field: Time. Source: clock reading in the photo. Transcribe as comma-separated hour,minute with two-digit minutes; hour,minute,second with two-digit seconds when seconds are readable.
4,13
